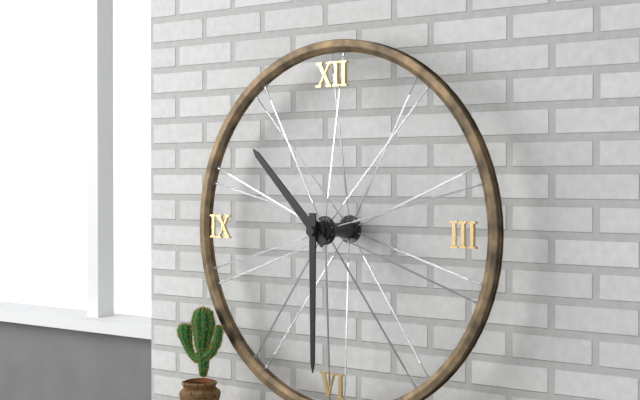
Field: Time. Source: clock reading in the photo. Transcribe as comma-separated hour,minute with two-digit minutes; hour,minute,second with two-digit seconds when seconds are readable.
10,30
